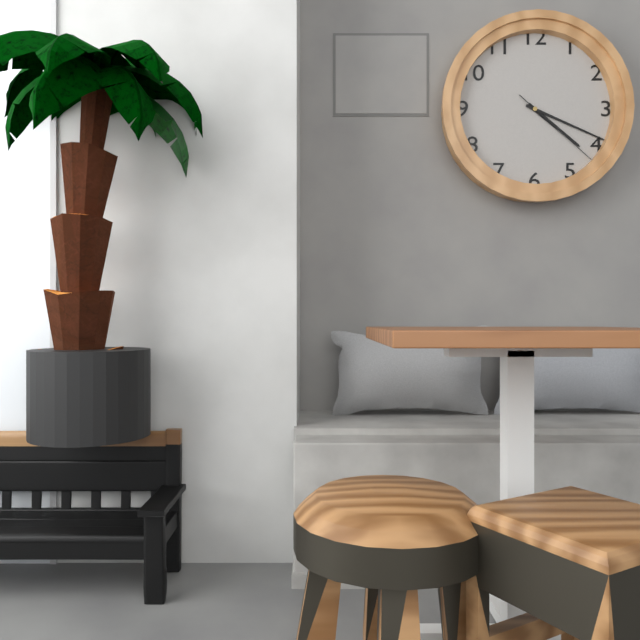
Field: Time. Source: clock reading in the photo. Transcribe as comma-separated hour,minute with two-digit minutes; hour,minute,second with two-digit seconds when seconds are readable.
4,19,22
